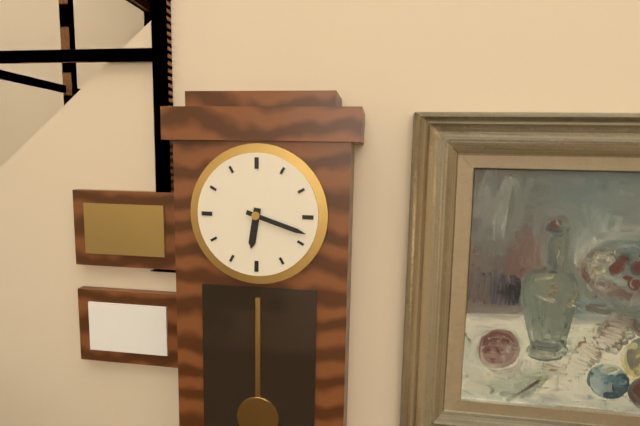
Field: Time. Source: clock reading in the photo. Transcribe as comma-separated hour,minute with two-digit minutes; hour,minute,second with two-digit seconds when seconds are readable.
6,18
